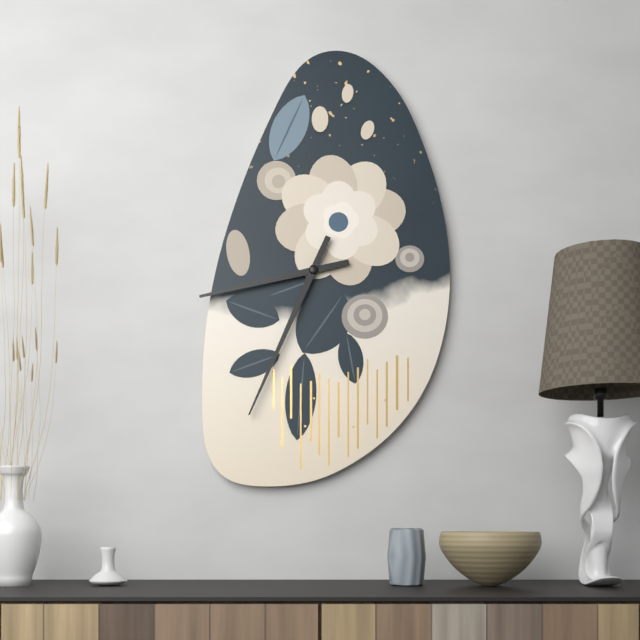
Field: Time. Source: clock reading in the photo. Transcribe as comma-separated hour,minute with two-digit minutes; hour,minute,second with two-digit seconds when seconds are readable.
8,34
